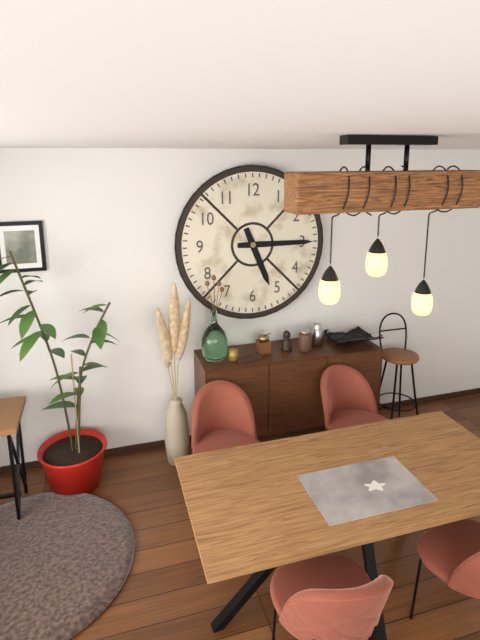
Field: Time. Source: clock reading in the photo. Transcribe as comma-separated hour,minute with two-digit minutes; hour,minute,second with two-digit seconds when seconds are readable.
5,15
